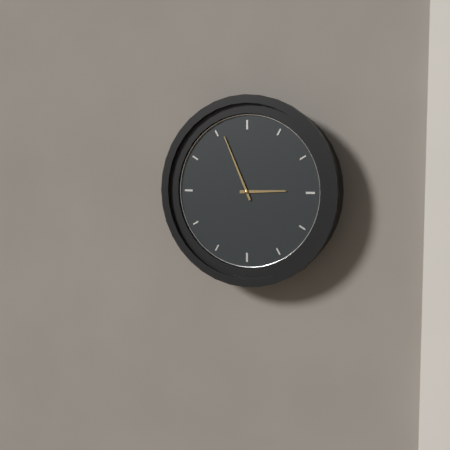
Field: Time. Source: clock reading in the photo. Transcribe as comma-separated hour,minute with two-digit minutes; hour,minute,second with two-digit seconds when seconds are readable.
2,56
